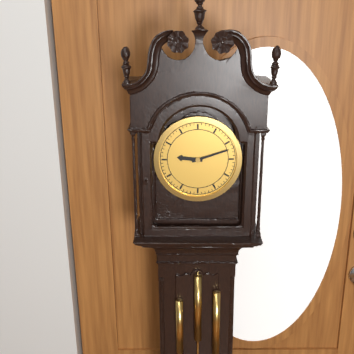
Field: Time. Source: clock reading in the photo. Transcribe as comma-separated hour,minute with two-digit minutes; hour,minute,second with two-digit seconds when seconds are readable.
9,12
